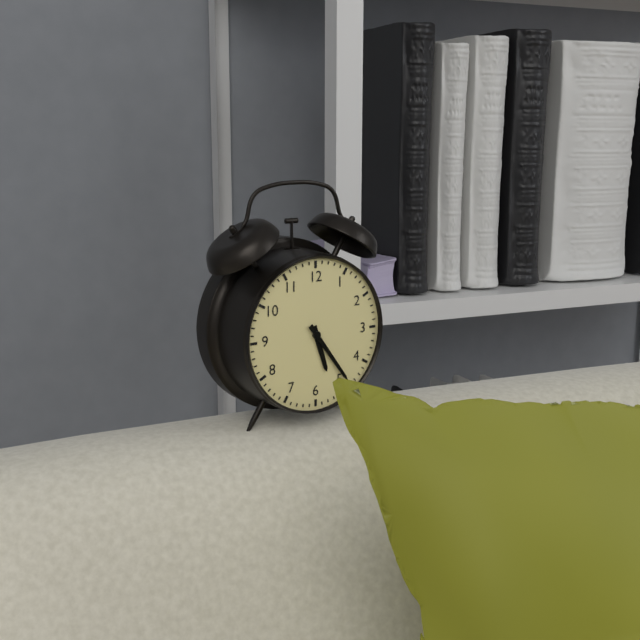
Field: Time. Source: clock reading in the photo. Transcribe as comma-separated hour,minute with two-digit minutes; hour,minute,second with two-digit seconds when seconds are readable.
5,24
